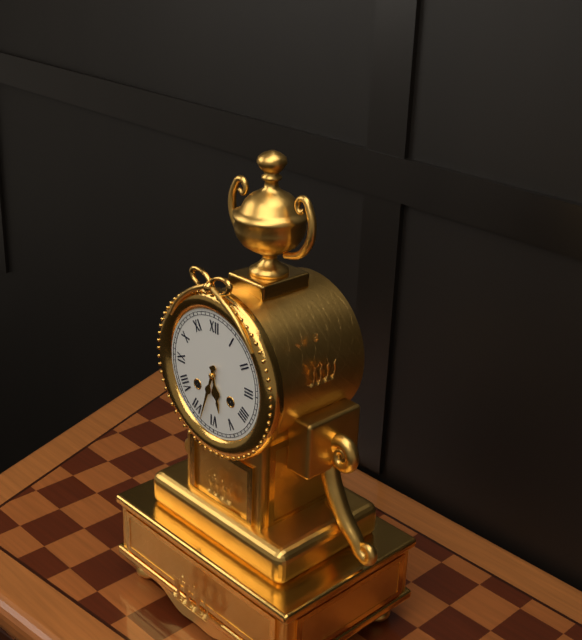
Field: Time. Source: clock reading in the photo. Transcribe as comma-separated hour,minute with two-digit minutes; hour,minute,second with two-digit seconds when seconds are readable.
5,33
